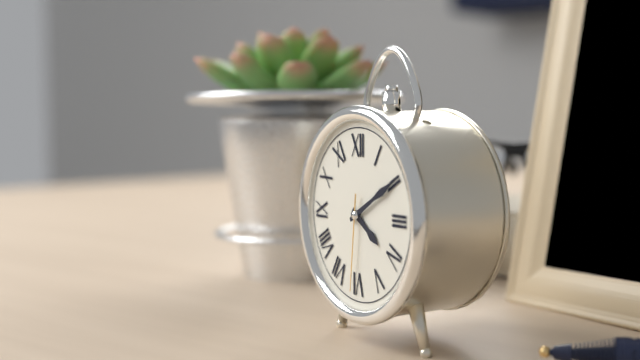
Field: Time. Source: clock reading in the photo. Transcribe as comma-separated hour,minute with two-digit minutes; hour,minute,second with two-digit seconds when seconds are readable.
4,10,31
